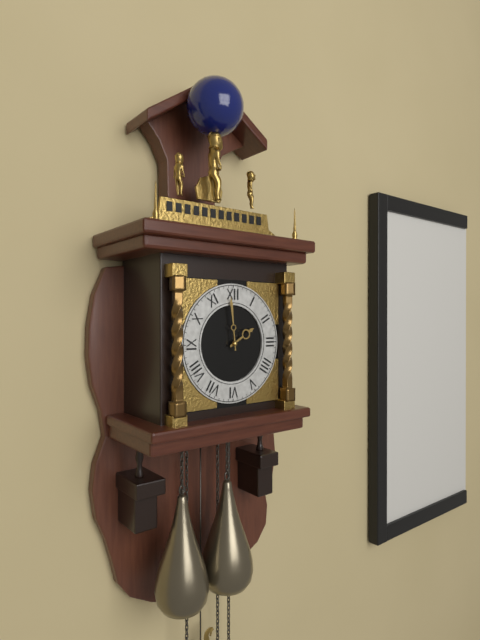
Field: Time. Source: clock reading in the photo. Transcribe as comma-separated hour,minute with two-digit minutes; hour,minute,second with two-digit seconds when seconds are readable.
1,59
